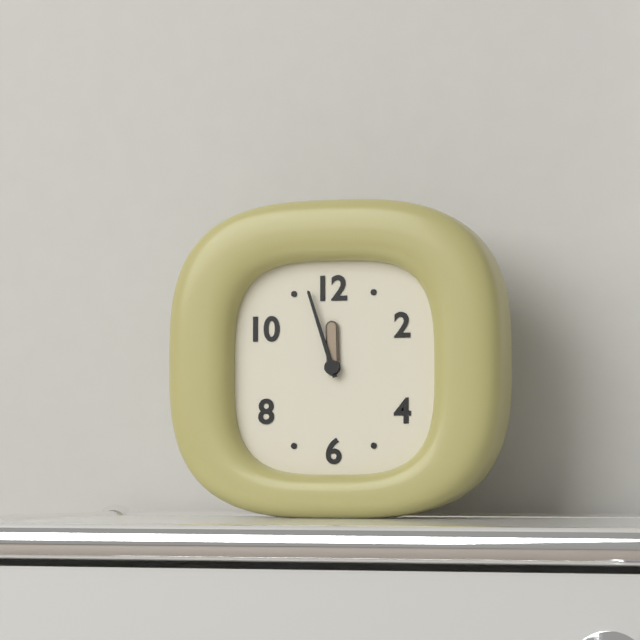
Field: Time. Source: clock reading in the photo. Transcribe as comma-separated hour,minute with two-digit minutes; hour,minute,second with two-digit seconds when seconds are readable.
11,57
